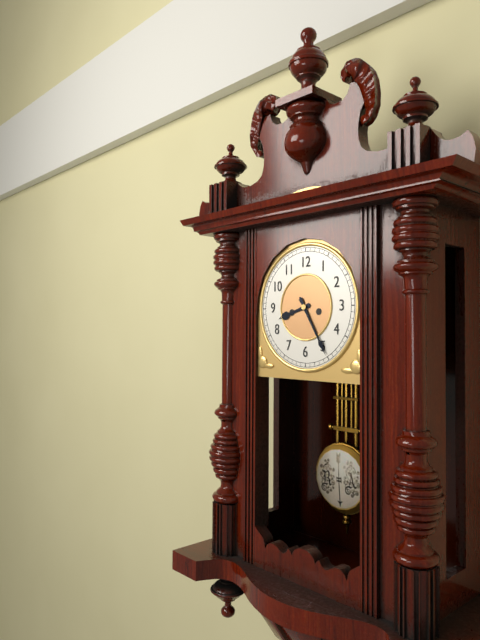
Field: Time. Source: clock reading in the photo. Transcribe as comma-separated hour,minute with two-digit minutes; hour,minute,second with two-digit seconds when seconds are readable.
8,25
